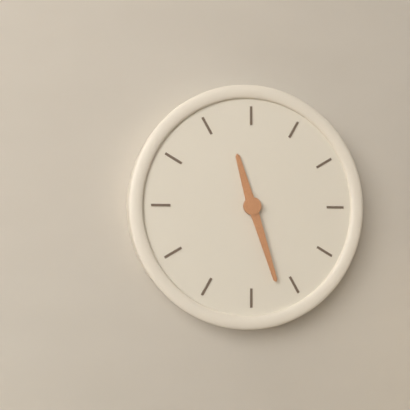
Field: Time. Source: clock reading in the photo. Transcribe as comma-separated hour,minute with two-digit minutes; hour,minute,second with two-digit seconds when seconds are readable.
11,27
